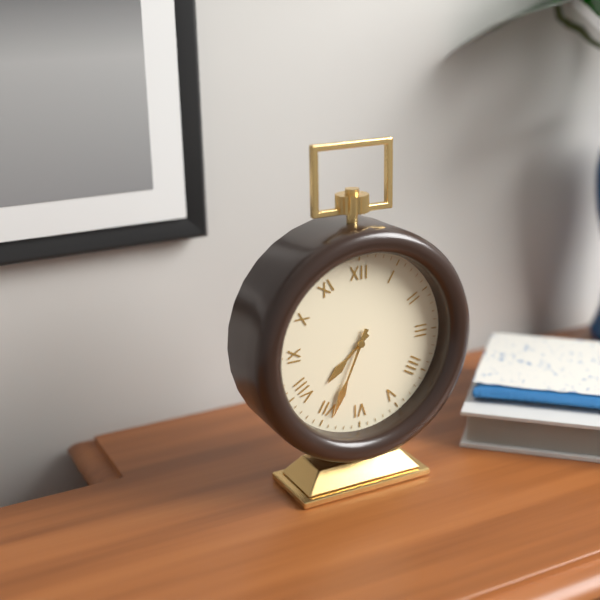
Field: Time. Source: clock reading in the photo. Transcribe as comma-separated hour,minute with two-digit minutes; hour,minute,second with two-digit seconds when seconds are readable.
7,34
